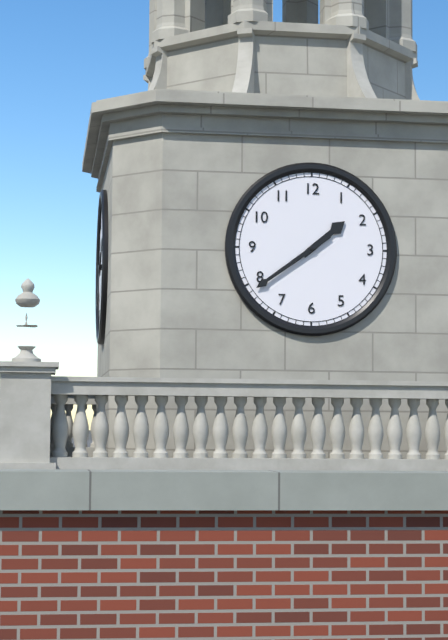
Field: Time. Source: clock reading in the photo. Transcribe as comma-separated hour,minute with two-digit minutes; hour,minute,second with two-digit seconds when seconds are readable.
1,39
